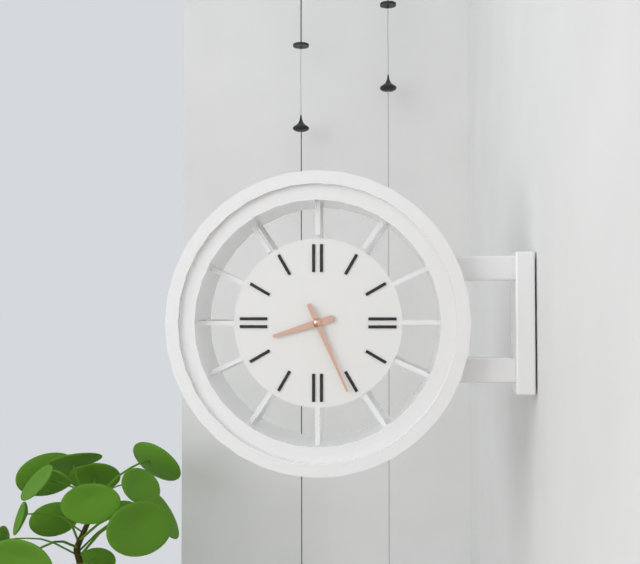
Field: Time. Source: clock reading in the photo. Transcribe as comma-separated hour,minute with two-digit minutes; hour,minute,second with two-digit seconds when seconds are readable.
8,26
